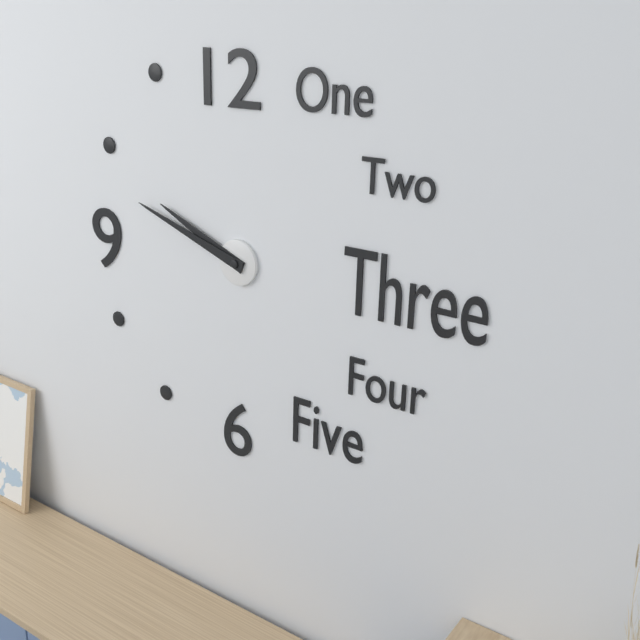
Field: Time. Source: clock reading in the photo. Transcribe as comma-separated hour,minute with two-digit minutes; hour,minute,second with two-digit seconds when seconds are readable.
9,48
